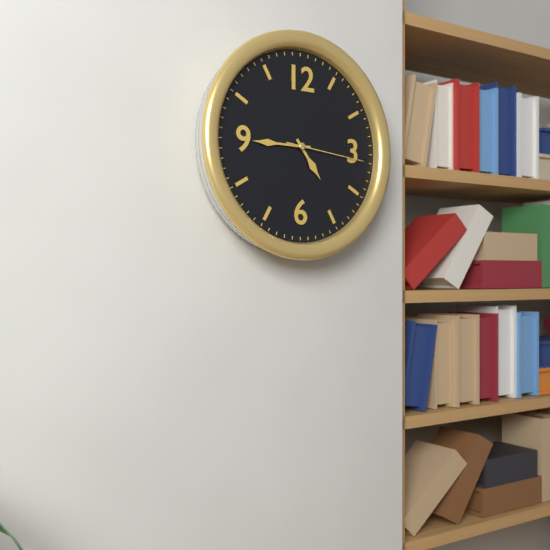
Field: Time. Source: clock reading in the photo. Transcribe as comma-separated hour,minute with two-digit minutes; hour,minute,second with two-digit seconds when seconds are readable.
4,45,16
